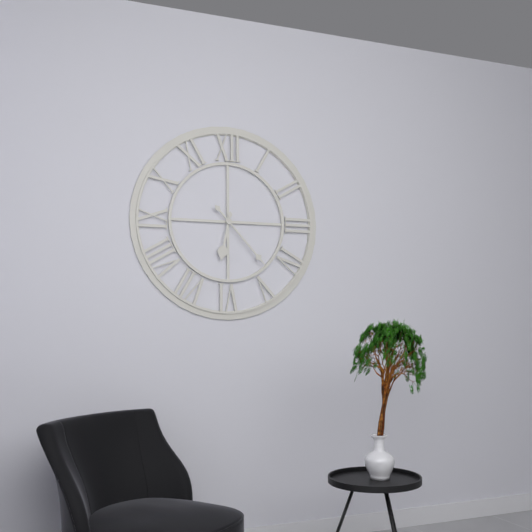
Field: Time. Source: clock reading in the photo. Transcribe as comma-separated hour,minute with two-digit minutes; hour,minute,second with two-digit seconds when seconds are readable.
6,23
